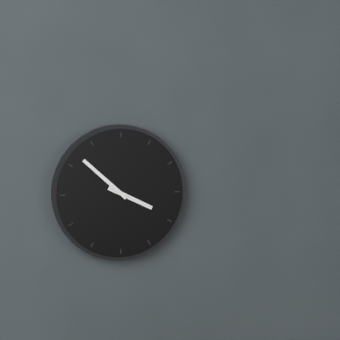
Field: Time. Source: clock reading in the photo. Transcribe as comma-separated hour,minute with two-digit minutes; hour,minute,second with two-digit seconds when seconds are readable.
3,52
